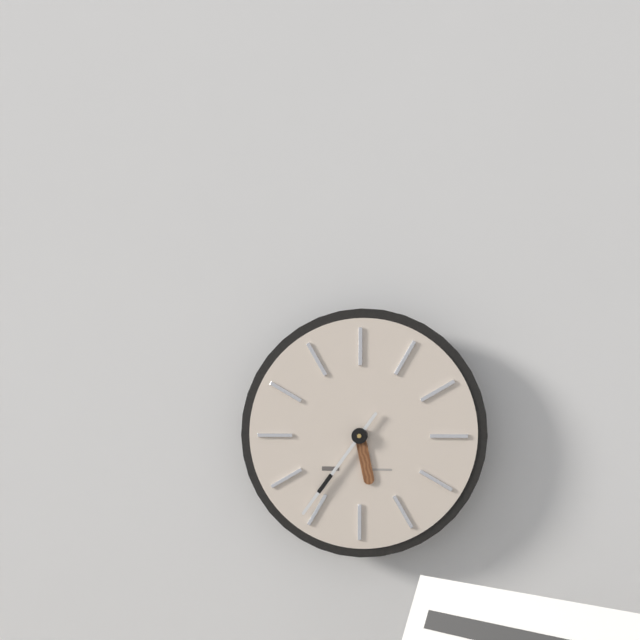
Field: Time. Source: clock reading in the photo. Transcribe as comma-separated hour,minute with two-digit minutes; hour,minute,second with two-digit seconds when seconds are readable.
5,36
